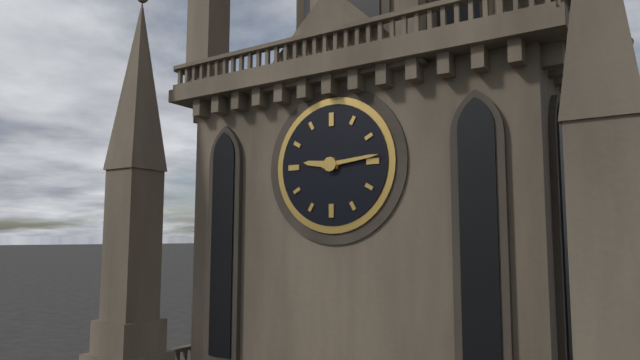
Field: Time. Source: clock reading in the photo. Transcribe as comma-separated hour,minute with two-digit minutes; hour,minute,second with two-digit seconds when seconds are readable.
9,14
